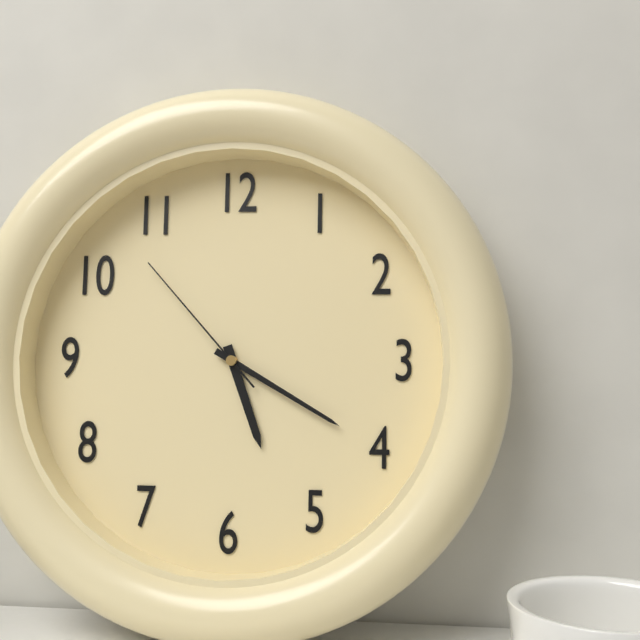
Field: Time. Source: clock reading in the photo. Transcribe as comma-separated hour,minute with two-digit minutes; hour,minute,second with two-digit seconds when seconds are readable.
5,20,53
